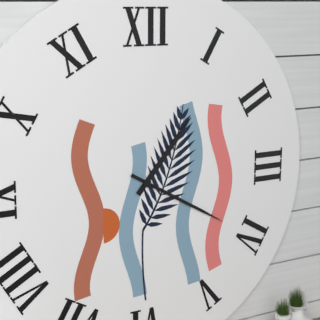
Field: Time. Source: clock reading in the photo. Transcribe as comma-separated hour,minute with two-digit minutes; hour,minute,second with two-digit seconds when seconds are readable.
1,20
